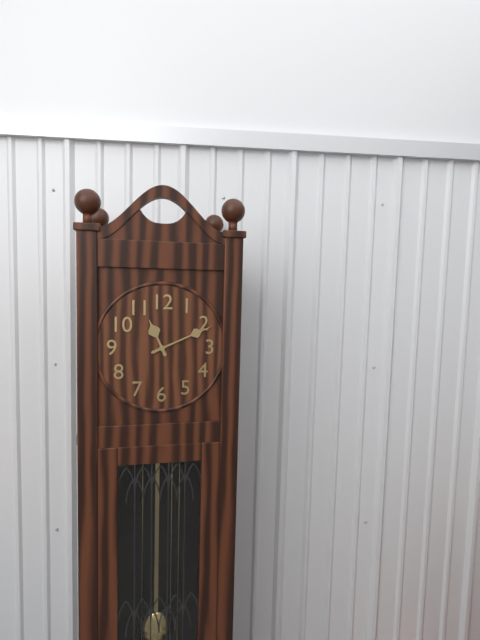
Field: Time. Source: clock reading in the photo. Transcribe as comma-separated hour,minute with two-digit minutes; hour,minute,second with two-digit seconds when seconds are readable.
11,11
